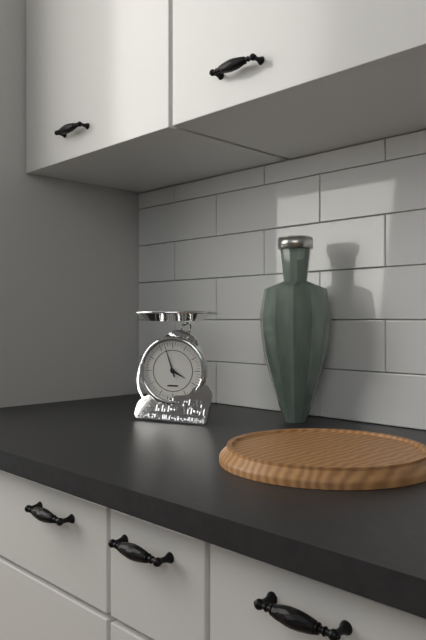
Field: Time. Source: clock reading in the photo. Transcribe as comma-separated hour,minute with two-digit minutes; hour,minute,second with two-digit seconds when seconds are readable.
3,57
